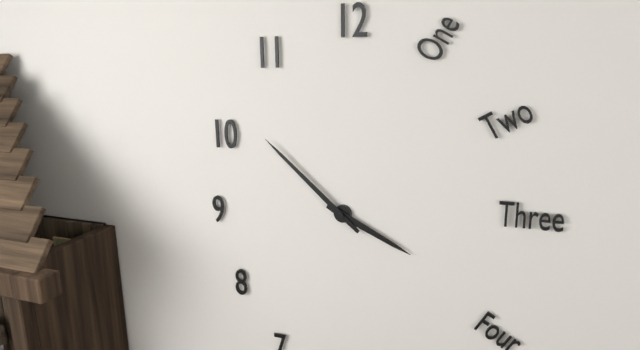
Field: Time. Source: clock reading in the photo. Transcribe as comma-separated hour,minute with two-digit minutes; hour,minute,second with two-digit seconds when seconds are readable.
3,52
